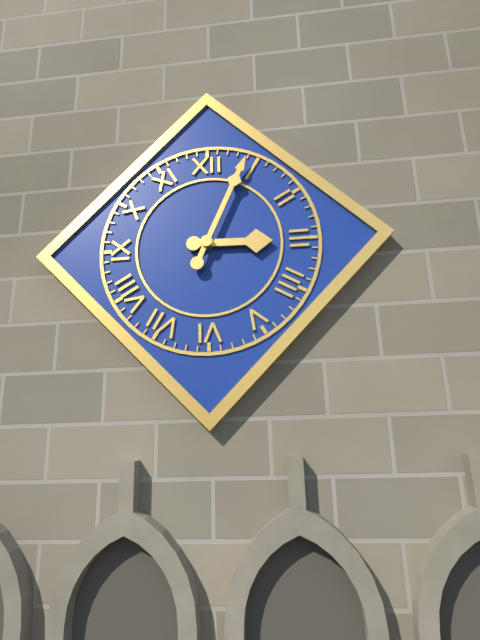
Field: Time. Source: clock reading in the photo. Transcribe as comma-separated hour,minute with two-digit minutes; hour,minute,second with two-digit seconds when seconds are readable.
3,04
